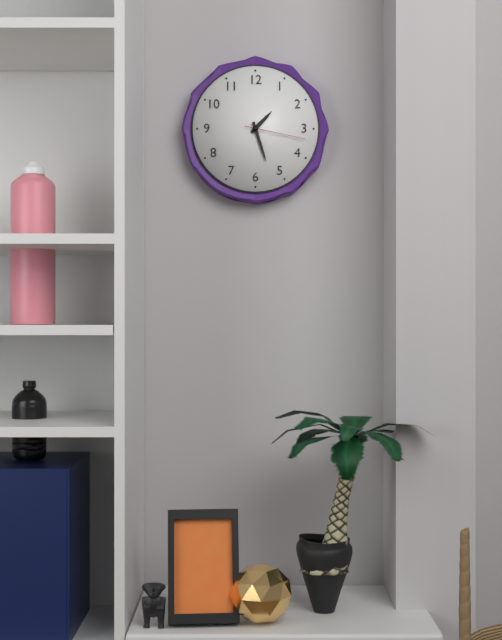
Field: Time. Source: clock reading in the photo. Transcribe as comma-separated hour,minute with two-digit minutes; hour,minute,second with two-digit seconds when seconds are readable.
1,27,17
